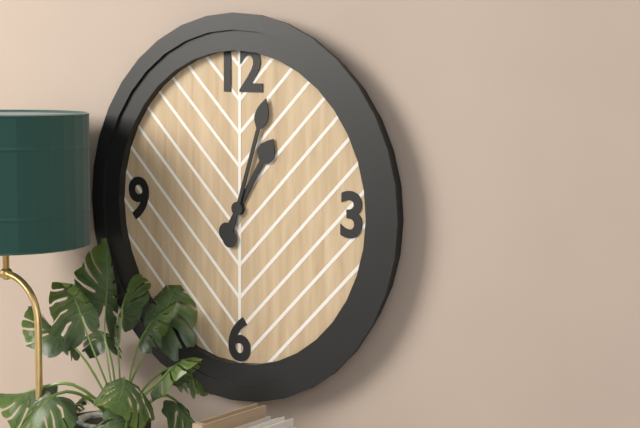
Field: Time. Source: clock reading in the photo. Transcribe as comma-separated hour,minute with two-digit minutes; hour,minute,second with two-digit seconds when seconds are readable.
1,03
